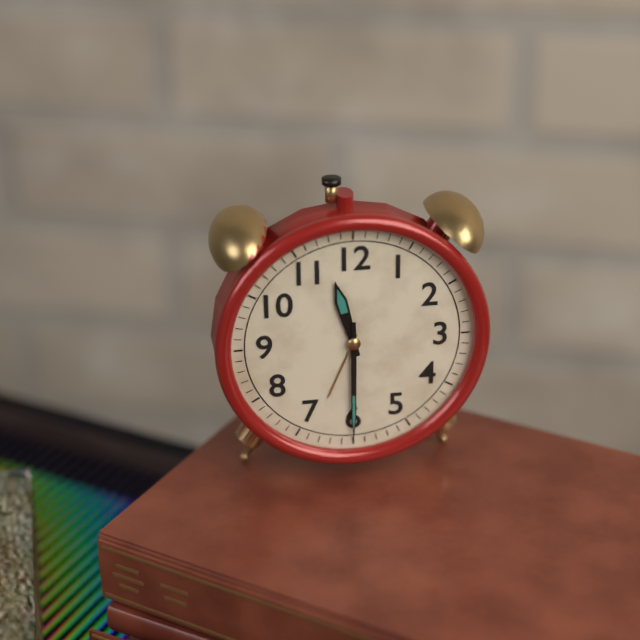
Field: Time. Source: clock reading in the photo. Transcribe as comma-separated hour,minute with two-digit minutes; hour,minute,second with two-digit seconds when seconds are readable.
11,30
